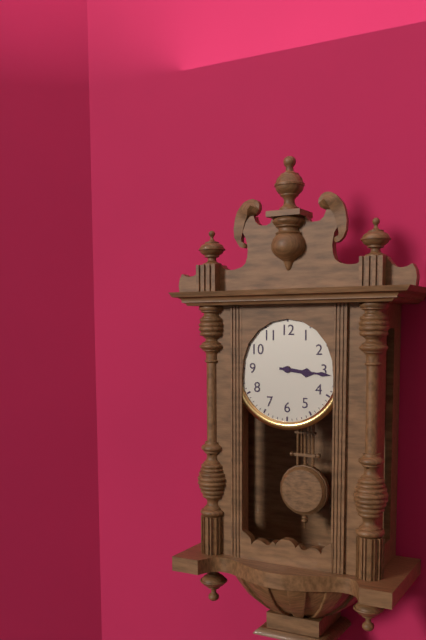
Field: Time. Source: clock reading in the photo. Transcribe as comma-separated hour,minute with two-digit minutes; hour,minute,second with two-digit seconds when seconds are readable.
3,16
